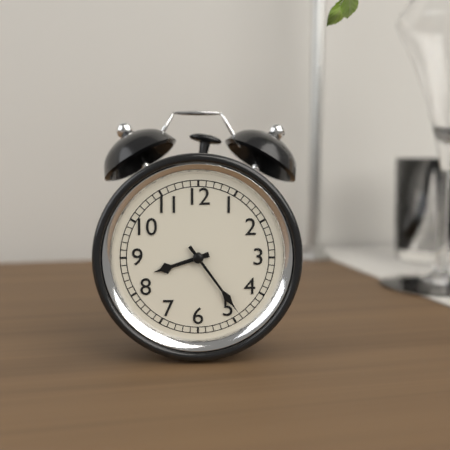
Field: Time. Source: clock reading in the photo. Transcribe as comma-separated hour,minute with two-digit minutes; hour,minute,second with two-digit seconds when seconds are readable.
8,24
